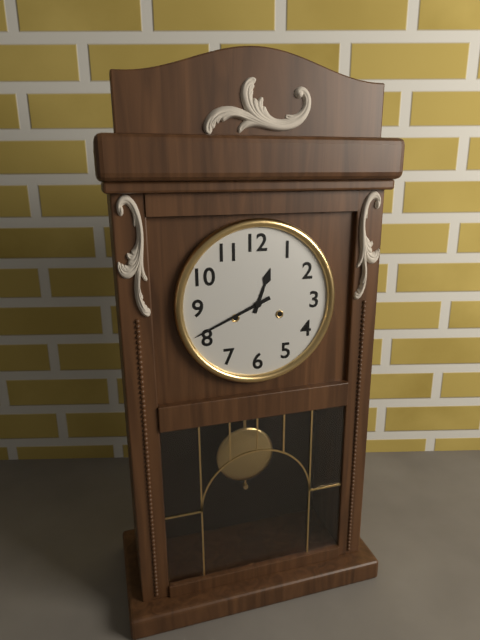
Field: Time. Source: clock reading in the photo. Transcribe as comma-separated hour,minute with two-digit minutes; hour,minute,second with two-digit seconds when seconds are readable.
12,41
